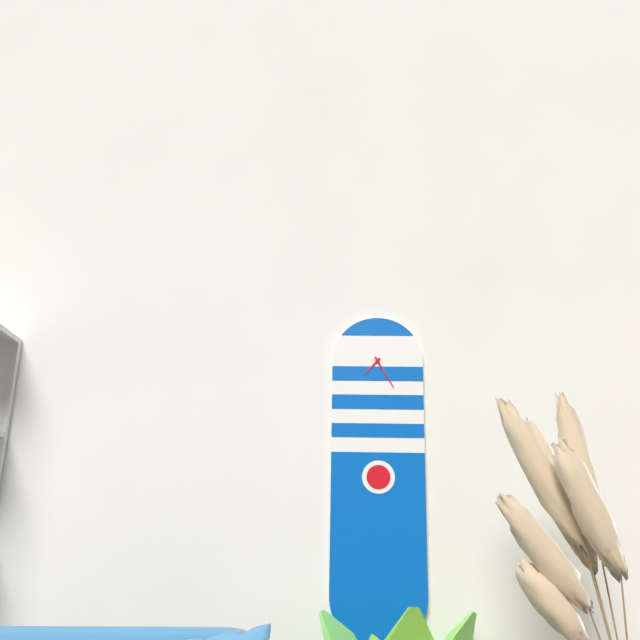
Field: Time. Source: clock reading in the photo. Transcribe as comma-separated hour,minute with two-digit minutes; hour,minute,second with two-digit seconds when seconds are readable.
7,25
